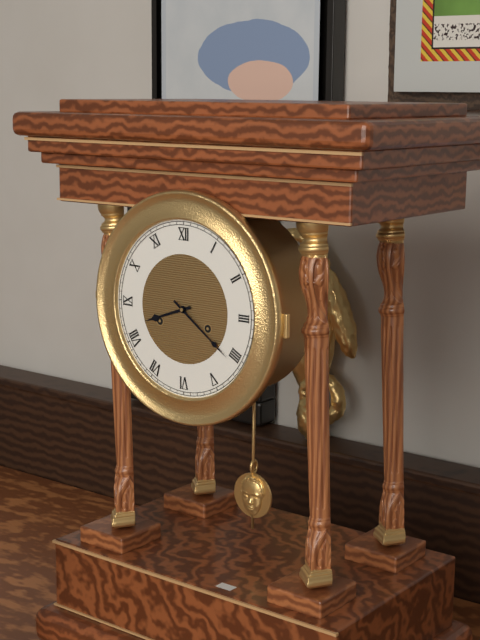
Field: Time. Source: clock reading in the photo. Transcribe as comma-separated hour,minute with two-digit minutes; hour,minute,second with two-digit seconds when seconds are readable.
8,21
